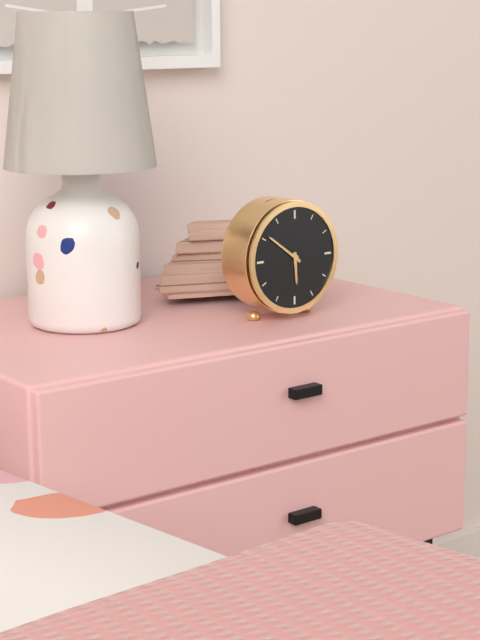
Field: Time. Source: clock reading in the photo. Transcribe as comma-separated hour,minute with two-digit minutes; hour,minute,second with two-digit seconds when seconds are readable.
5,51
